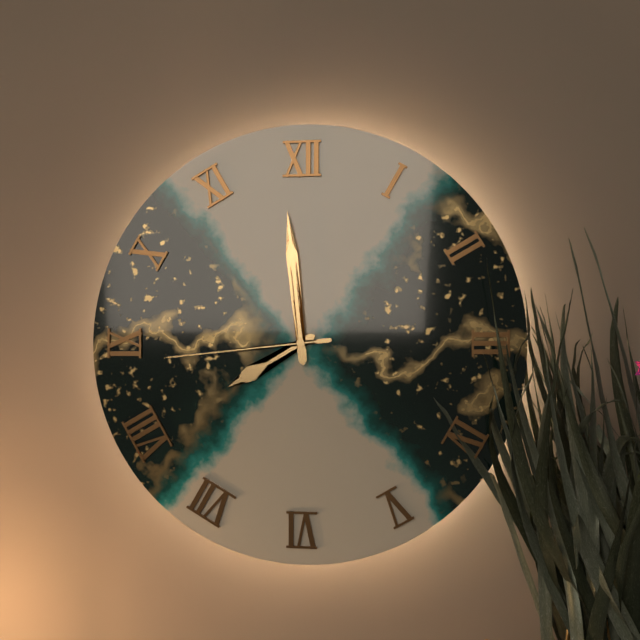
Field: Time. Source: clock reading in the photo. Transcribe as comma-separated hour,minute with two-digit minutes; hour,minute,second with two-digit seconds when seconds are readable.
7,59,44
